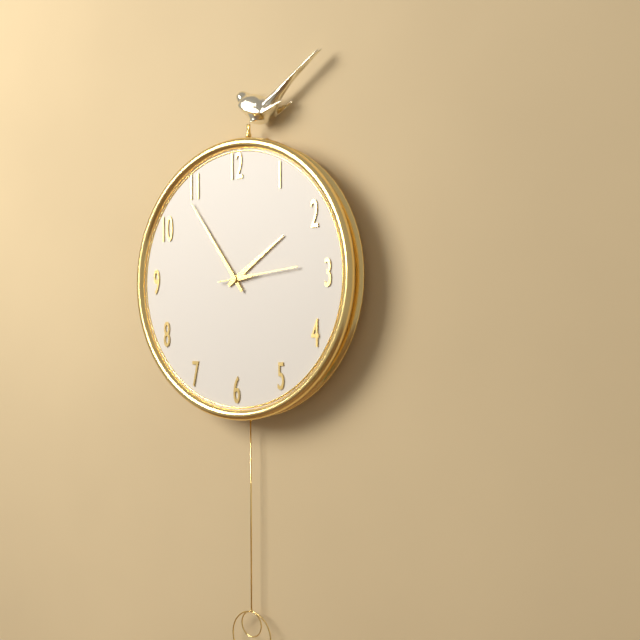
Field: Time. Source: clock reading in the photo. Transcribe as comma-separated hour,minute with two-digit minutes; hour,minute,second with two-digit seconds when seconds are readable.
1,54,14
